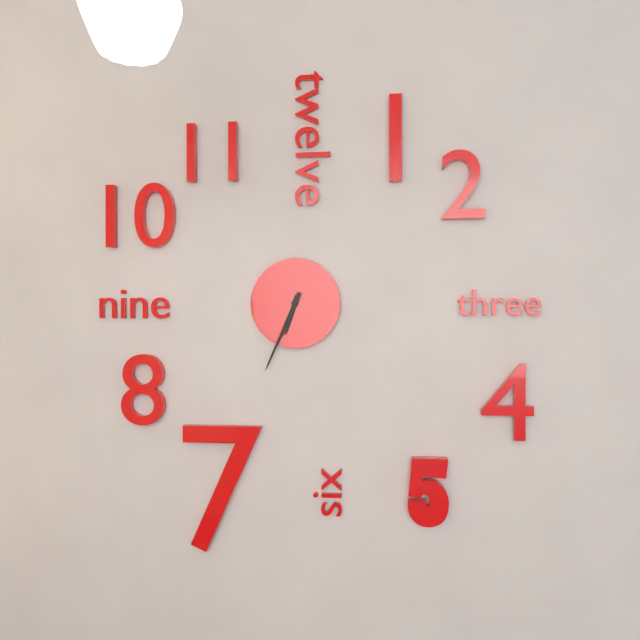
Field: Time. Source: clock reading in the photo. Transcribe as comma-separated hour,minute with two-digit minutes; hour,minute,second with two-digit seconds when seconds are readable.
6,34
